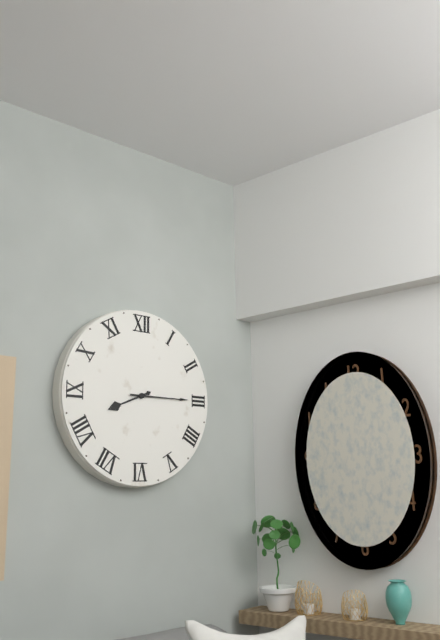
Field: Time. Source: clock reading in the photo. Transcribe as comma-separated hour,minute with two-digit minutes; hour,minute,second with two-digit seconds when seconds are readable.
8,15
